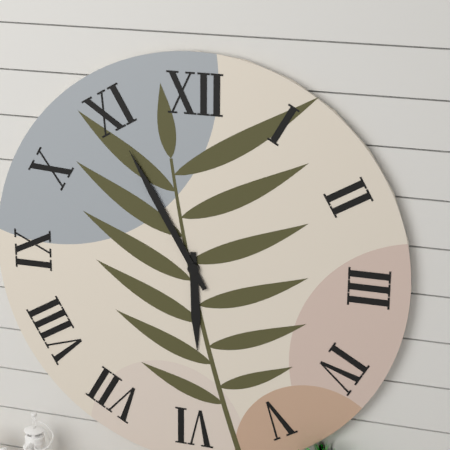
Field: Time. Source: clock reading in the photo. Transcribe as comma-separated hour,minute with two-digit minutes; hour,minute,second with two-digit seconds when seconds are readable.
5,55
